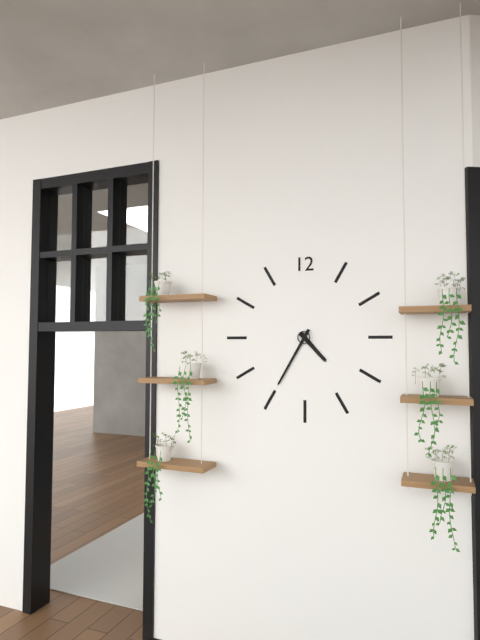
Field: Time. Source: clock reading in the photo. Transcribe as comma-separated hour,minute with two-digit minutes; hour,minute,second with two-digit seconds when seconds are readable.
4,35
